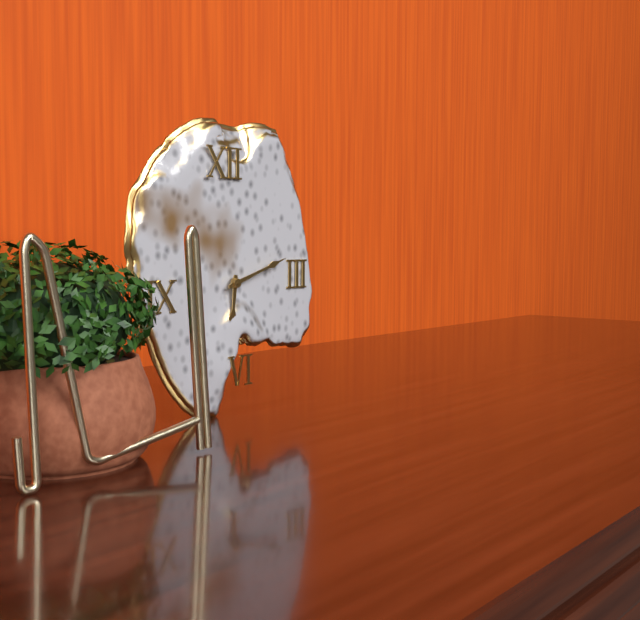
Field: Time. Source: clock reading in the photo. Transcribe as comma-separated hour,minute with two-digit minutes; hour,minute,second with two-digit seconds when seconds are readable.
6,12
